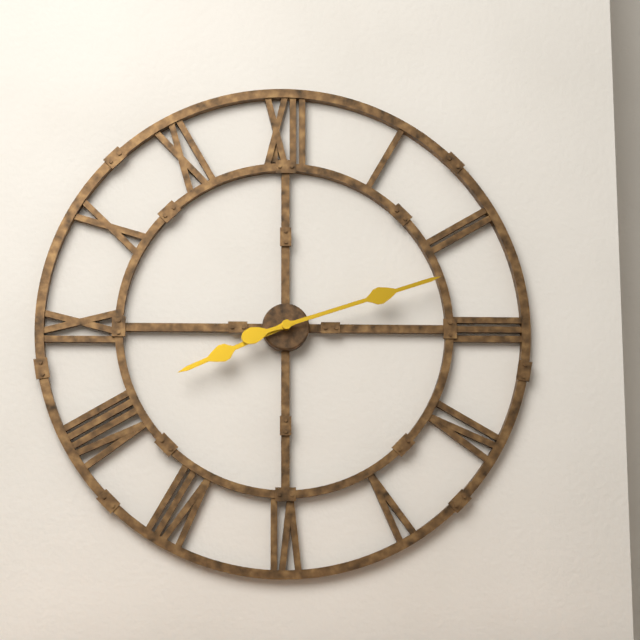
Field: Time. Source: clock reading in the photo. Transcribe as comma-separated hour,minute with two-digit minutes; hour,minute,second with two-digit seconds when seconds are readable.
8,12
